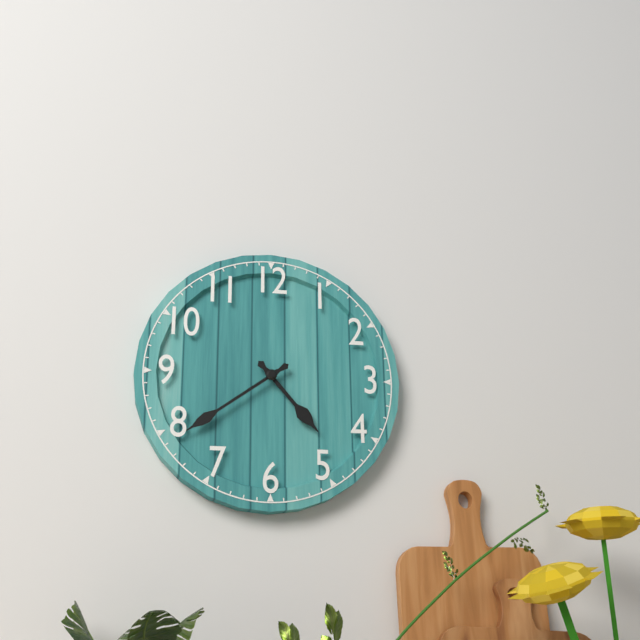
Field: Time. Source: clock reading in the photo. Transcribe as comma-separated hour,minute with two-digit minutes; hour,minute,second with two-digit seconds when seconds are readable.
4,39
